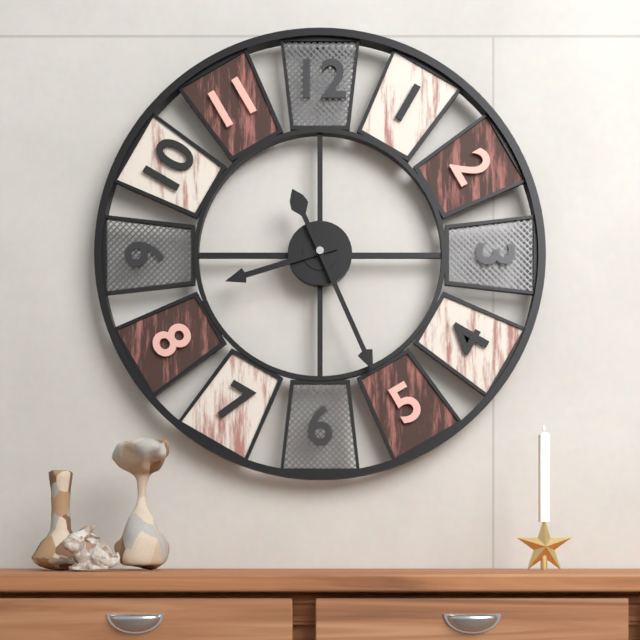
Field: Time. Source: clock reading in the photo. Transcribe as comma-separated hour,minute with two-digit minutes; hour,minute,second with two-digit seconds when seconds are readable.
8,26
